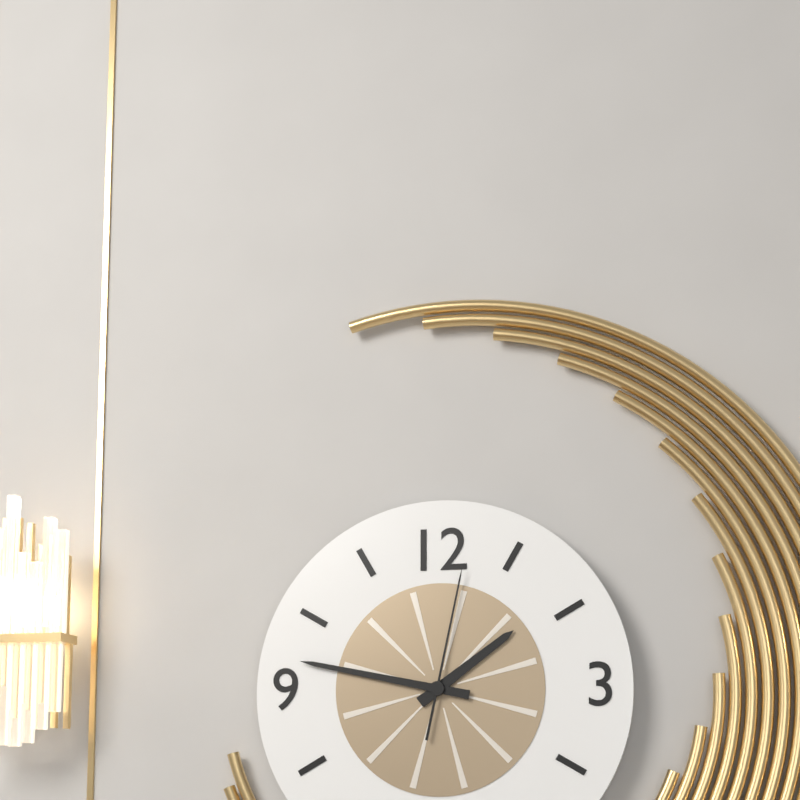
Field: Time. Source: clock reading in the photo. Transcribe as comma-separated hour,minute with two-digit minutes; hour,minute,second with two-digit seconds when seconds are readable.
1,47,02
